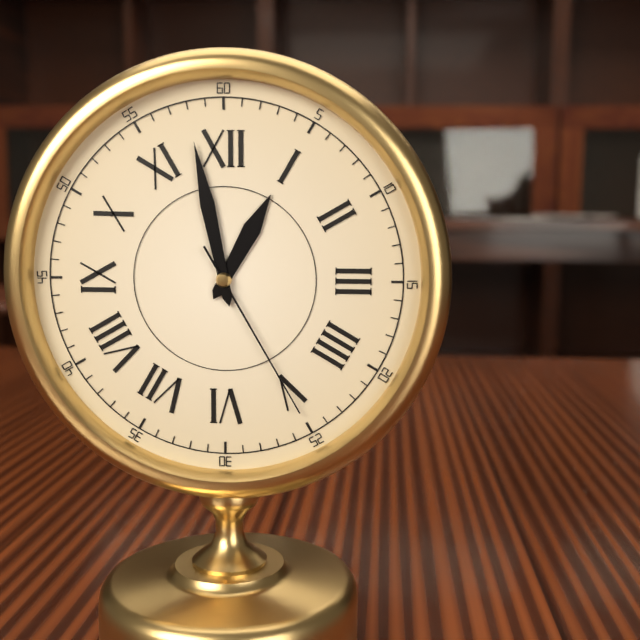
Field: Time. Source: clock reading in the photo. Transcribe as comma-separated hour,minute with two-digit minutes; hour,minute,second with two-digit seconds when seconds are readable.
12,58,25
